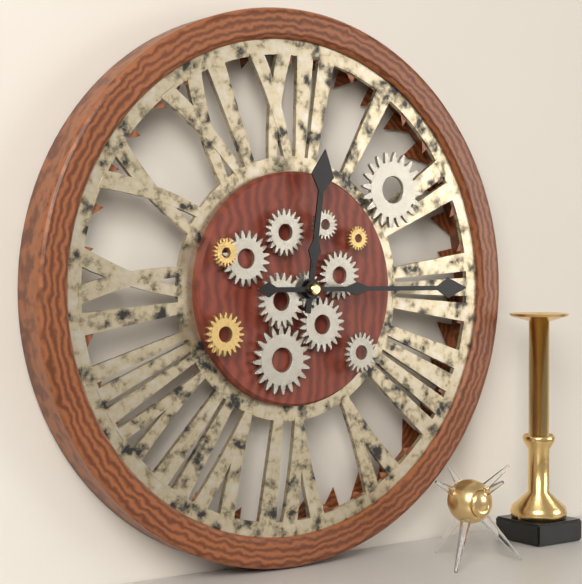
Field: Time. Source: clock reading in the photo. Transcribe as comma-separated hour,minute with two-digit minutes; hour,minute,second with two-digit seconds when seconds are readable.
12,15
